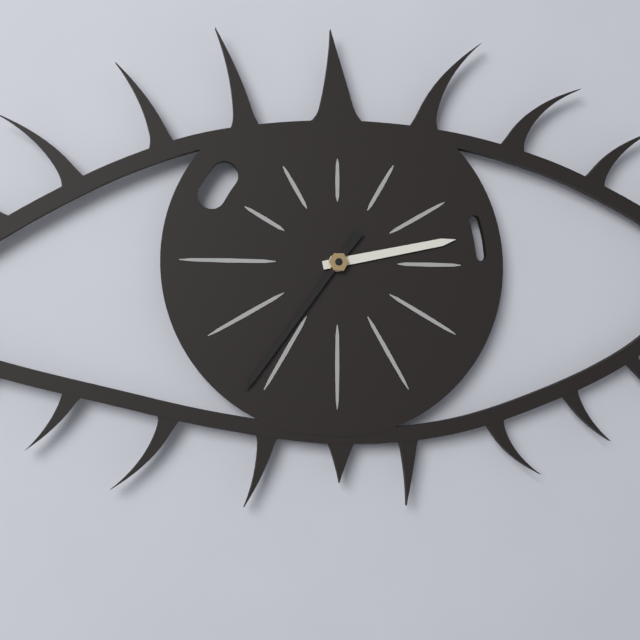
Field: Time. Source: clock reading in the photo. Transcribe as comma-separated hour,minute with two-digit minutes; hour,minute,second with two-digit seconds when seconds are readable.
2,36
